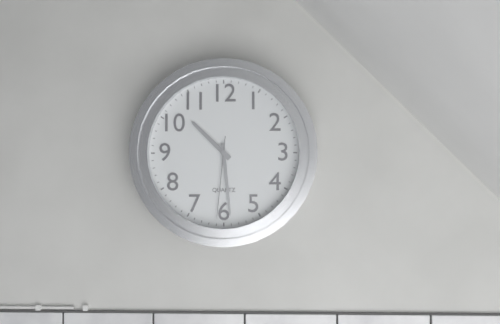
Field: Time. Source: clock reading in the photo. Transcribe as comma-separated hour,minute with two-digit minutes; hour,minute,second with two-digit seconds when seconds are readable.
10,29,31
